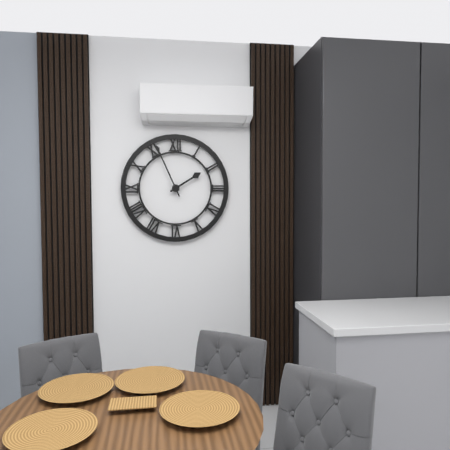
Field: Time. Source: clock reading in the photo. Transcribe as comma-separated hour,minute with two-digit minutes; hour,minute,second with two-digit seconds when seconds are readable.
1,56
